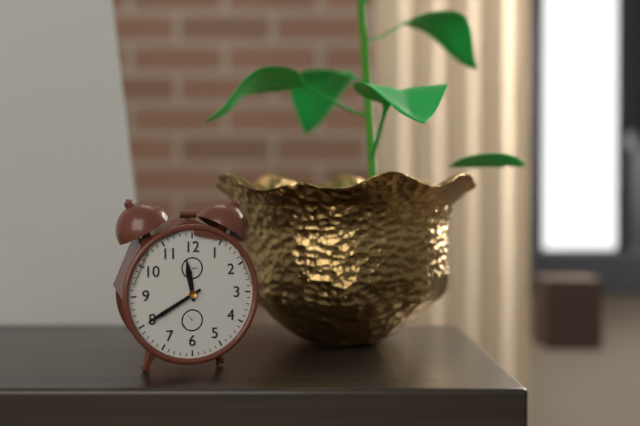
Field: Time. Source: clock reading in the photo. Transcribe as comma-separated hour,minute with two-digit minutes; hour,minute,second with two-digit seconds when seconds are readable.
11,40
